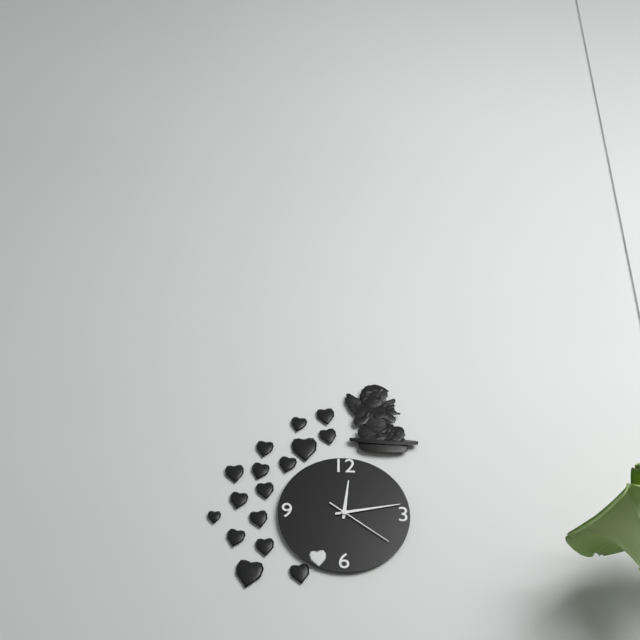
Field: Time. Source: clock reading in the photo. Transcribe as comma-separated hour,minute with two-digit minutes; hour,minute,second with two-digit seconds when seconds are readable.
12,13,21
